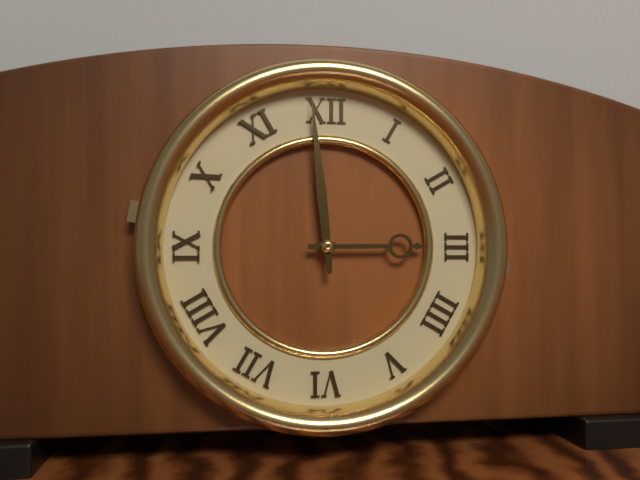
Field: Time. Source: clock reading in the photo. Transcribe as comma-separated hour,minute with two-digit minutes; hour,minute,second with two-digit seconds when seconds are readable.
2,59
